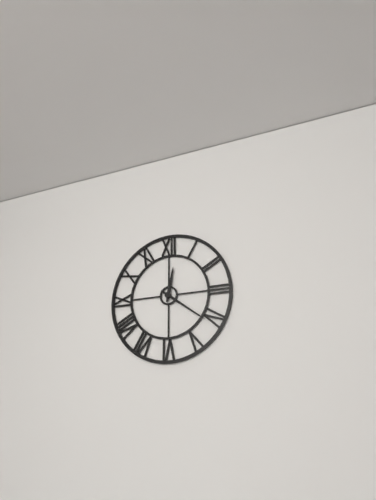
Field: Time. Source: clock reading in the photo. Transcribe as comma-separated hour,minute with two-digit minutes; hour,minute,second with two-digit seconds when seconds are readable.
12,21
